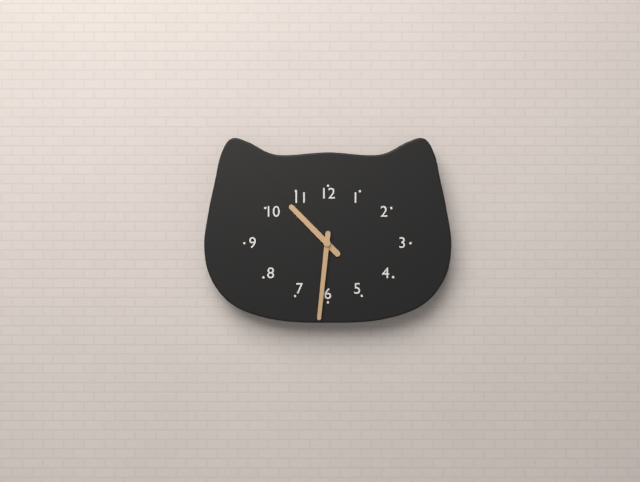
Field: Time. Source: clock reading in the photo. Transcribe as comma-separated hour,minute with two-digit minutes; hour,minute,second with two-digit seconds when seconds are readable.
10,31
